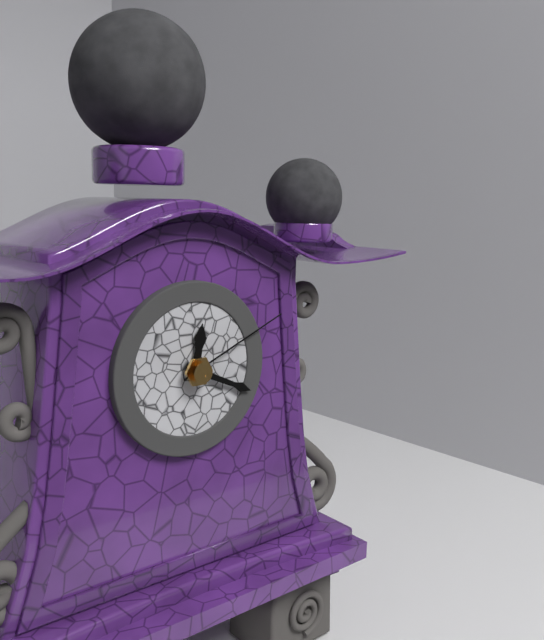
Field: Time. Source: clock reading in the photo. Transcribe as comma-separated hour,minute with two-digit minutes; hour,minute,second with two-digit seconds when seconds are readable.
12,19,11
